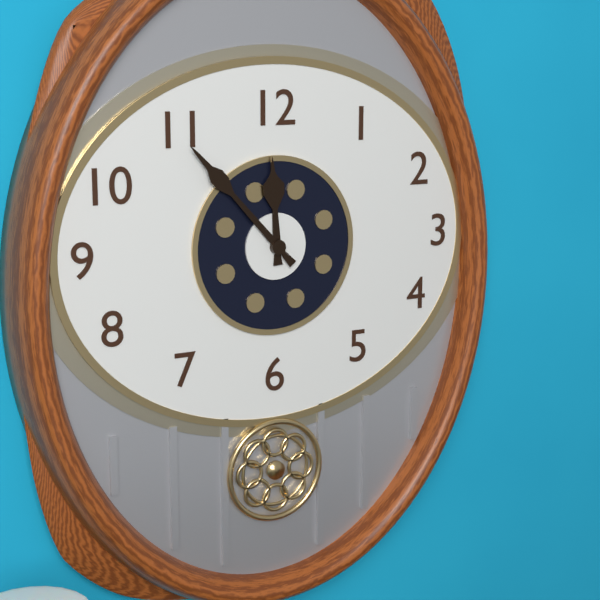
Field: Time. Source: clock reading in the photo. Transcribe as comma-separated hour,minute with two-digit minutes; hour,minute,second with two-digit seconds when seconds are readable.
11,53
